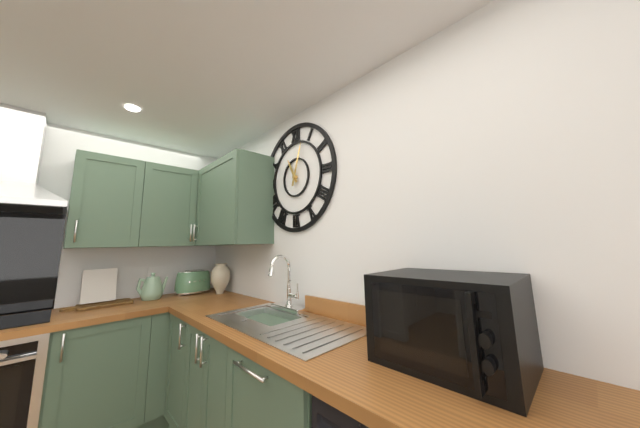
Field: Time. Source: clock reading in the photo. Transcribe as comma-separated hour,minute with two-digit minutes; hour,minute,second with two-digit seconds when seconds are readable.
11,03
